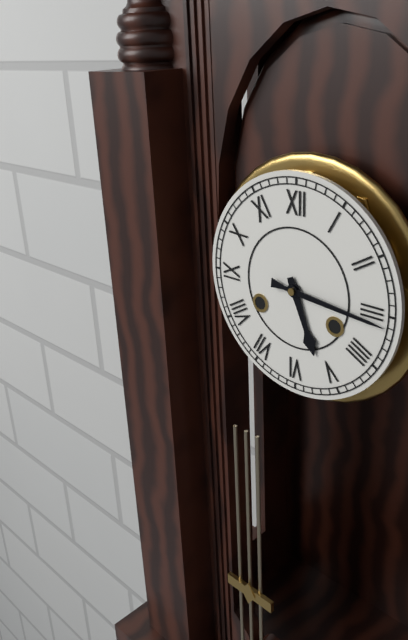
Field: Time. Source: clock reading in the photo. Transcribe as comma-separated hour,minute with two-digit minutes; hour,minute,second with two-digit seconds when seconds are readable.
5,16
